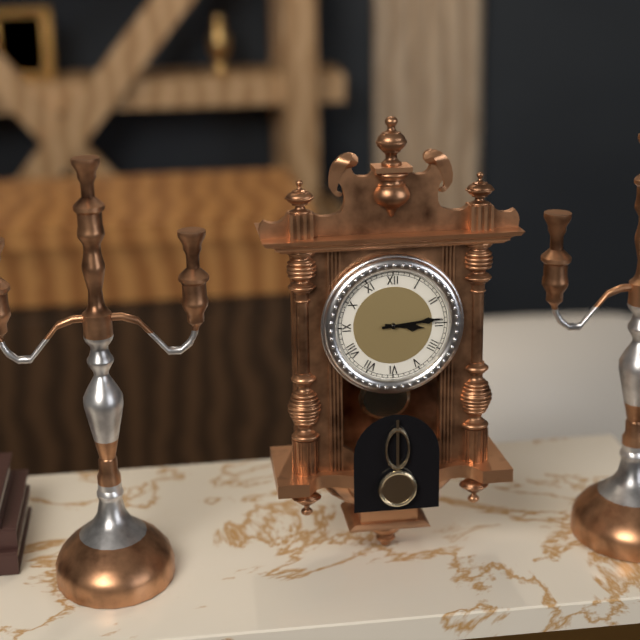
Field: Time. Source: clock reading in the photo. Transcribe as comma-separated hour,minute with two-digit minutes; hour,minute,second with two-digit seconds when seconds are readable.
3,14
